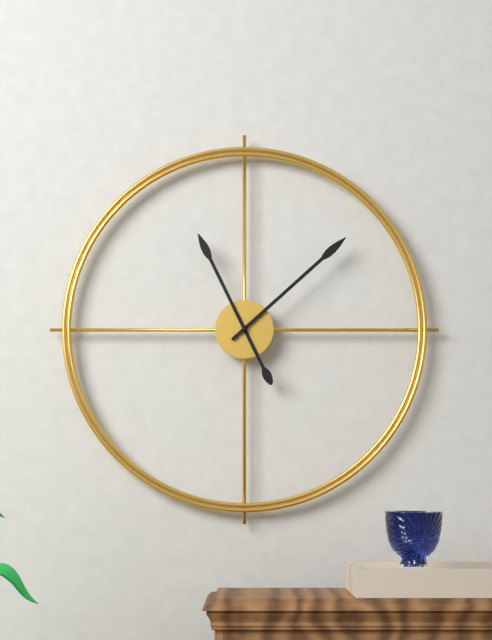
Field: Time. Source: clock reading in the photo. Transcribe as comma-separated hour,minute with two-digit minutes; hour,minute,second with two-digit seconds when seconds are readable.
11,08
